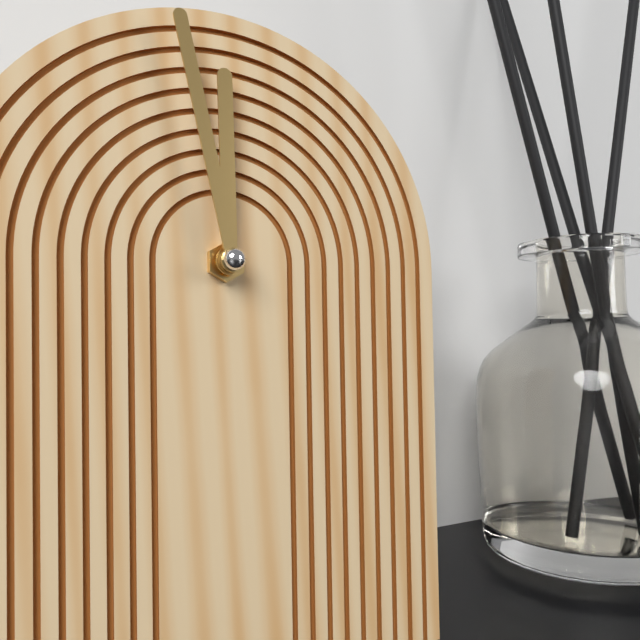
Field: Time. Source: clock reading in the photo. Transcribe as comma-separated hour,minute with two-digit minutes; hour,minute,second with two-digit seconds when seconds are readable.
11,58
